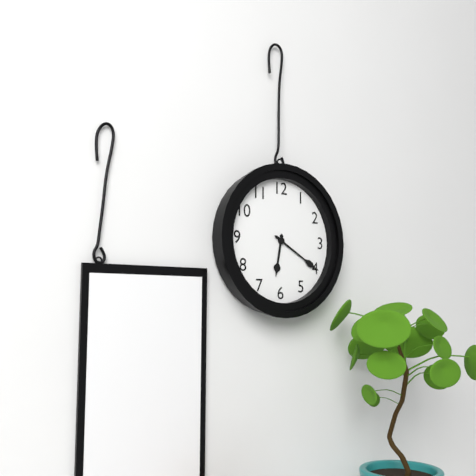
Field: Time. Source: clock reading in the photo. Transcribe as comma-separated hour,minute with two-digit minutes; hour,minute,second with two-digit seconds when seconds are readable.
6,20
